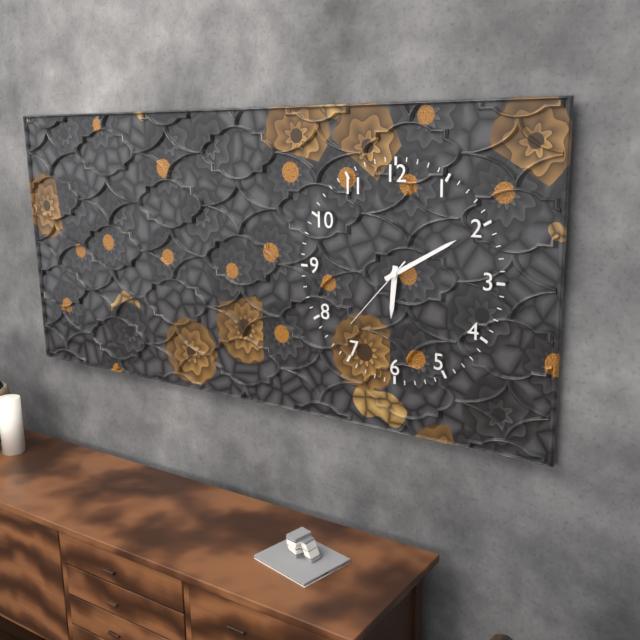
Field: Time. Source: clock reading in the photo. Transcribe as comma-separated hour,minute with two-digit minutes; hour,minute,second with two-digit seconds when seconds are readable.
6,10,37
